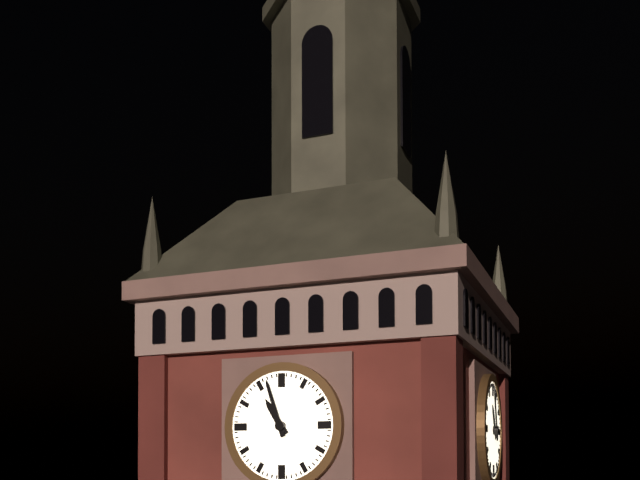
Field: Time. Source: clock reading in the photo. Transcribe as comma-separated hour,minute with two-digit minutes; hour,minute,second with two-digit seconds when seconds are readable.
10,57
